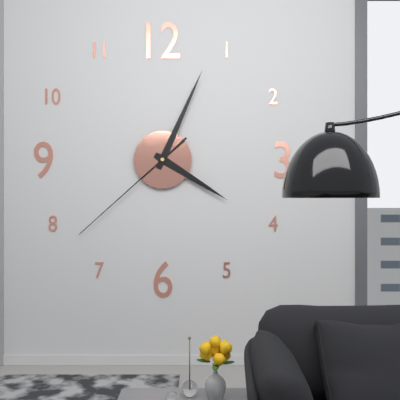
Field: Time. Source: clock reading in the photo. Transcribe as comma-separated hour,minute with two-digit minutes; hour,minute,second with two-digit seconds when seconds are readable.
4,04,38
